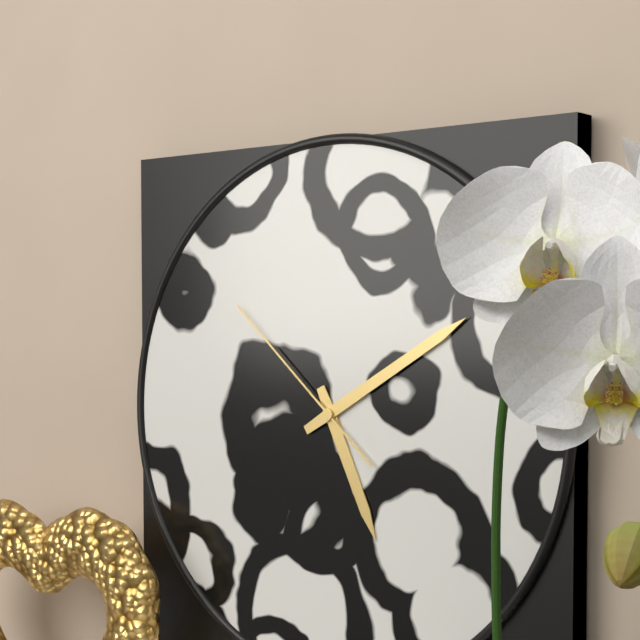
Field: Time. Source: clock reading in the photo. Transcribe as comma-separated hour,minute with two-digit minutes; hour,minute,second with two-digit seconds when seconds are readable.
5,10,52
